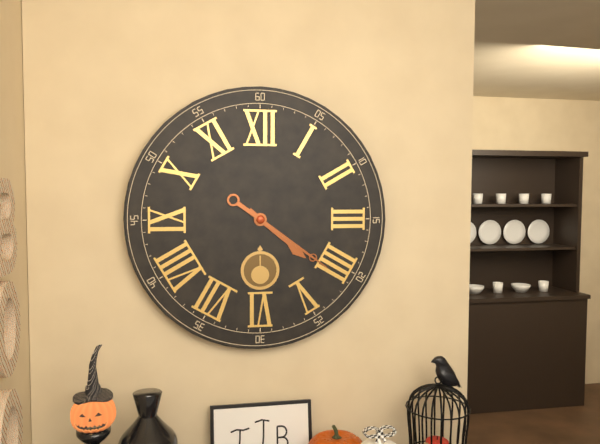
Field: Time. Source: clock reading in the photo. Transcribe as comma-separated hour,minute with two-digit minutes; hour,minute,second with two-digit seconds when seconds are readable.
4,21
